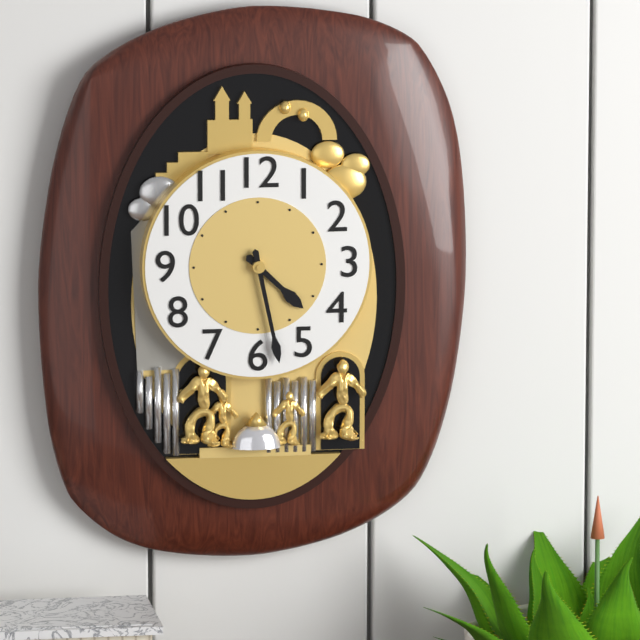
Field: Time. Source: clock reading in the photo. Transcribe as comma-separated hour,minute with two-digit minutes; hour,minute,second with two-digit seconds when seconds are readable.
4,28
